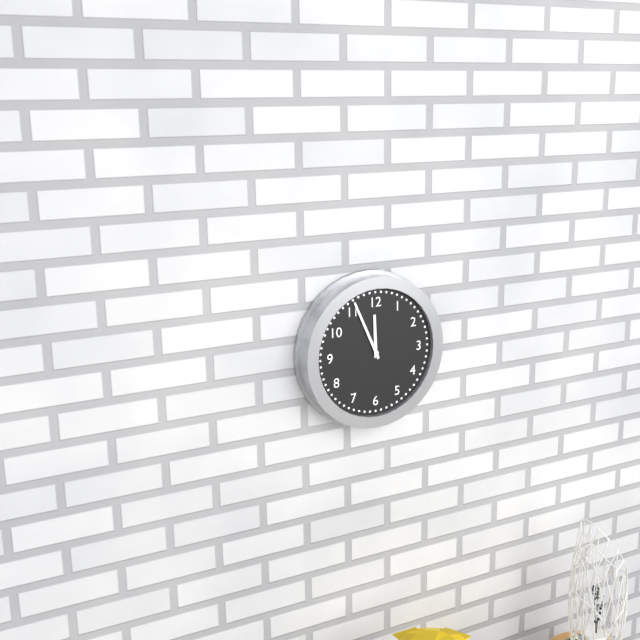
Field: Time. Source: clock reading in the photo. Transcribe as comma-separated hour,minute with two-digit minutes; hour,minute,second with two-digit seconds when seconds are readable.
11,56
